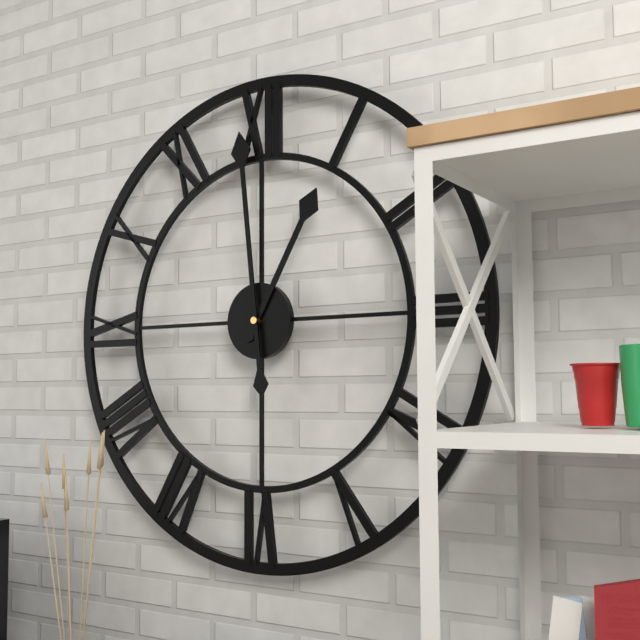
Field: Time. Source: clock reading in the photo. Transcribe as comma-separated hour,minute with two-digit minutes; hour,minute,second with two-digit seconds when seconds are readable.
12,59
